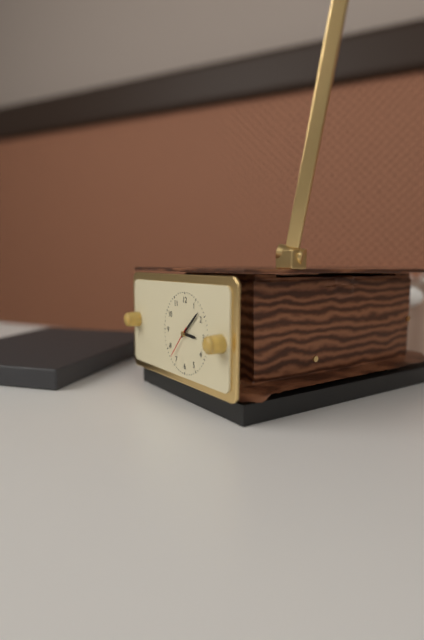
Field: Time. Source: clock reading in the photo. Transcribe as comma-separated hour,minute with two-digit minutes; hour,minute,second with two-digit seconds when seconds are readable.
3,08
